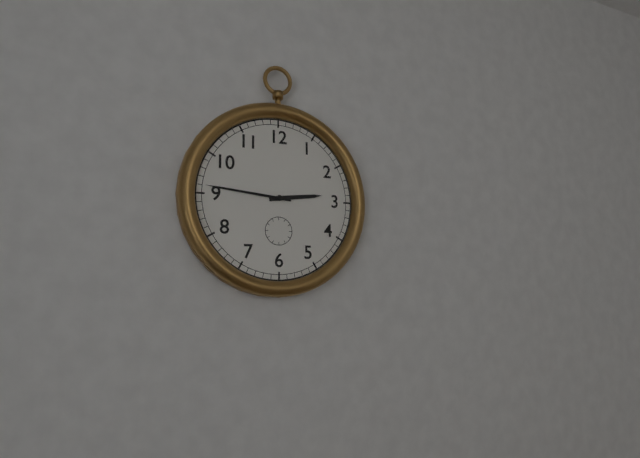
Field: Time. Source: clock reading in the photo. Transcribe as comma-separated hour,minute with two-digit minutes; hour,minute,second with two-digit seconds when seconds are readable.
2,46
